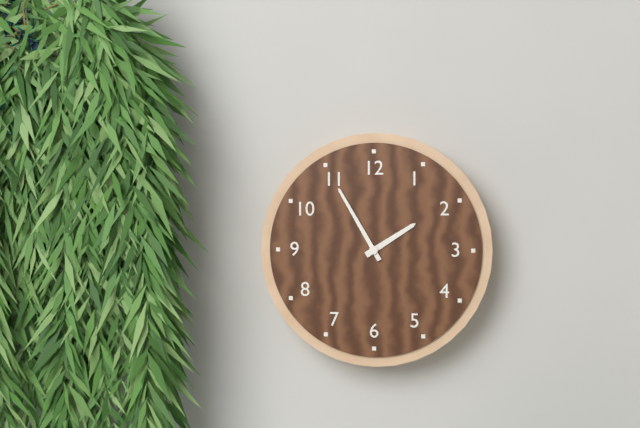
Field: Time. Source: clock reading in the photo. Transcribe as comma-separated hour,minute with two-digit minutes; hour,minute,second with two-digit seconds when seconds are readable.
1,55
